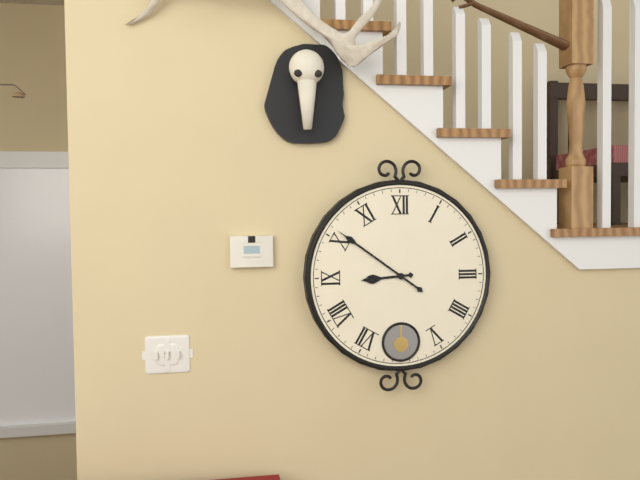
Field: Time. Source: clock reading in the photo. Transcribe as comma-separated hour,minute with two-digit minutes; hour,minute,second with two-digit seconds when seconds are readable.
8,51
